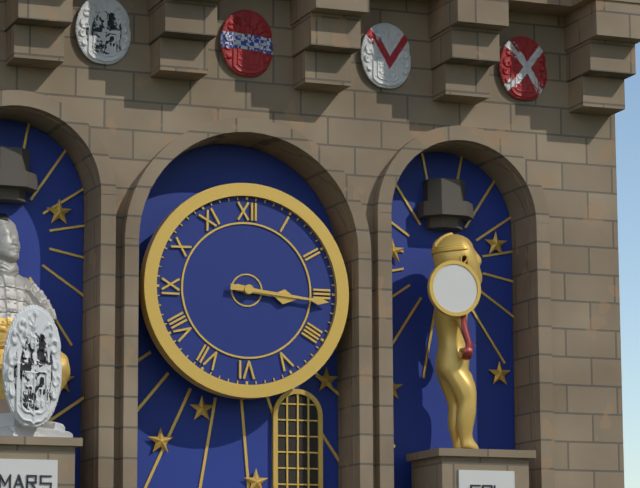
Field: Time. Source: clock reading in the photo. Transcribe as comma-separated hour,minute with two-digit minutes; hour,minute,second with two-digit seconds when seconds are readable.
3,16
